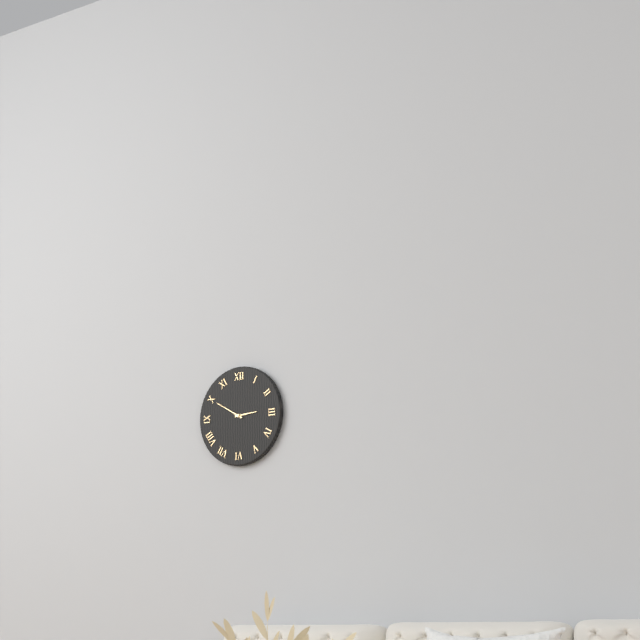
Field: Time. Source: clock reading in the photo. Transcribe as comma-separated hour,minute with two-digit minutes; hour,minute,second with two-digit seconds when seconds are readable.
2,50
